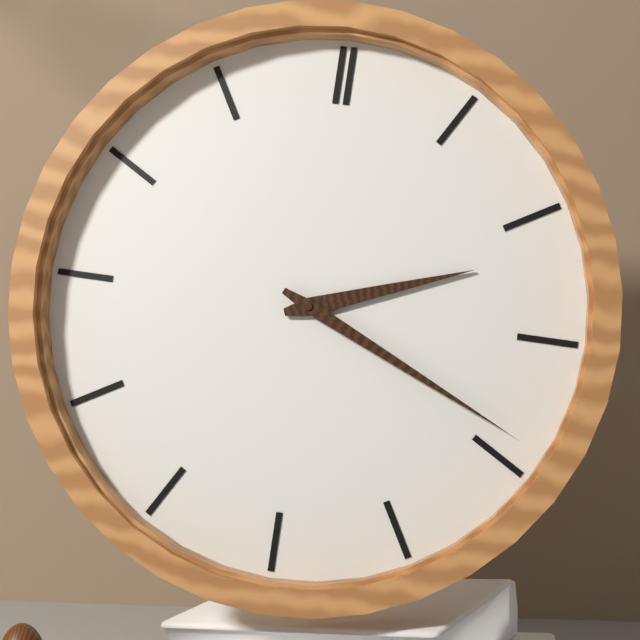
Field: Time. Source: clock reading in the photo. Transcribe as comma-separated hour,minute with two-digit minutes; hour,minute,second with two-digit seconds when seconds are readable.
2,19
